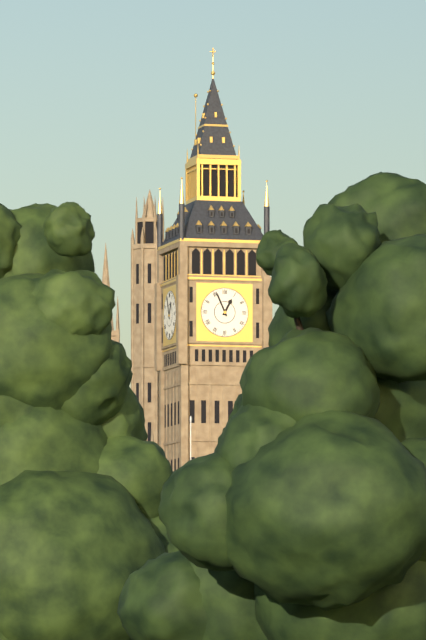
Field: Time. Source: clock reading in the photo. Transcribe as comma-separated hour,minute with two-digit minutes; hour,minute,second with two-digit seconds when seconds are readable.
12,56
